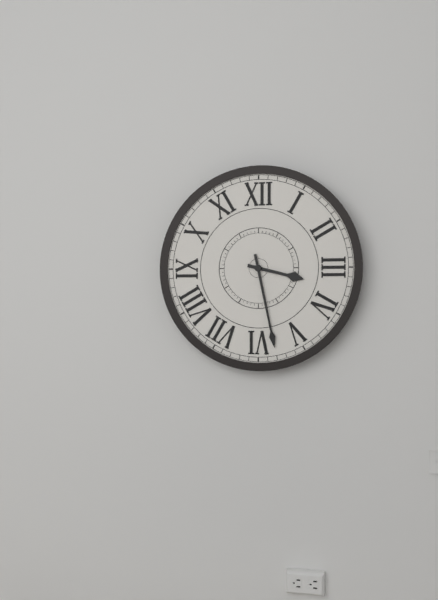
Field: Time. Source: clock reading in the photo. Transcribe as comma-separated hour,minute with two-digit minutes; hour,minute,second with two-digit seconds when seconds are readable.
3,28
